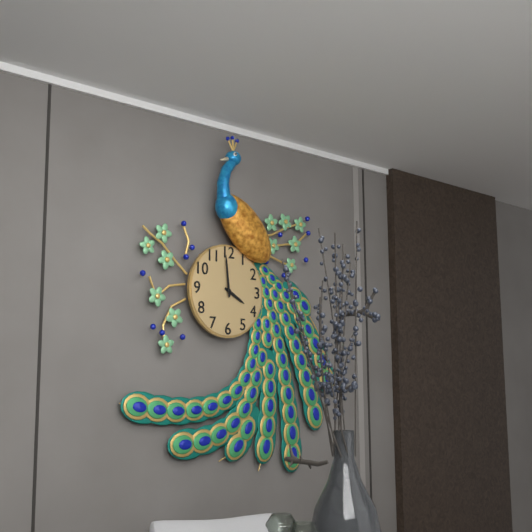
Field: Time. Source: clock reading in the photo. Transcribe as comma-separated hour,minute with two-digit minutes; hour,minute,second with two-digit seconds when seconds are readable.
3,59
